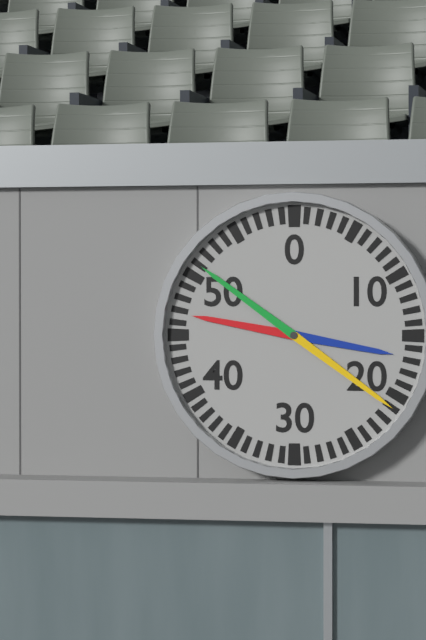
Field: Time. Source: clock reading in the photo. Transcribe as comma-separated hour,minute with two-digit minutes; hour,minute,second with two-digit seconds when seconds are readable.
9,21
